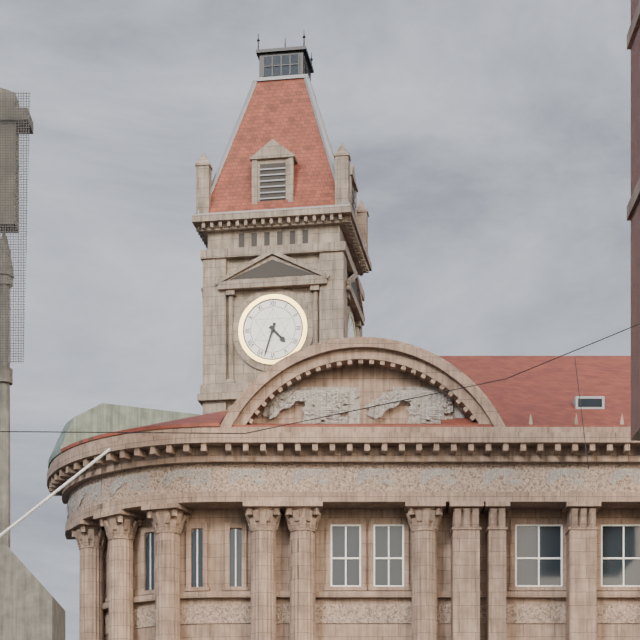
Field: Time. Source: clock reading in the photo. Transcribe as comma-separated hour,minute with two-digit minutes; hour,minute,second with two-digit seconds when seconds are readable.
4,33
